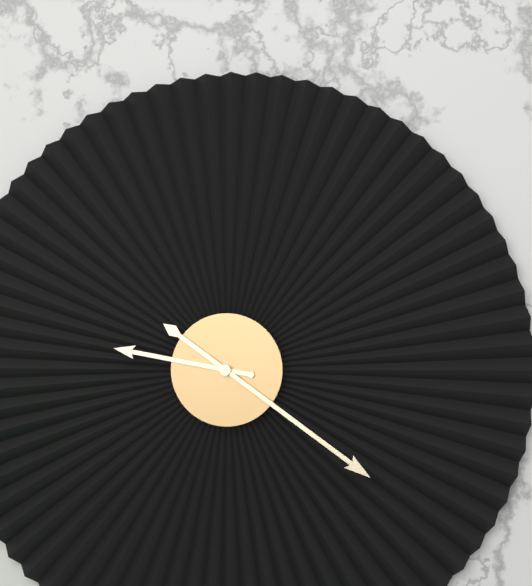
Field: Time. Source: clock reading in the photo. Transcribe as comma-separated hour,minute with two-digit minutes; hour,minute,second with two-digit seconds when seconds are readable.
9,21
